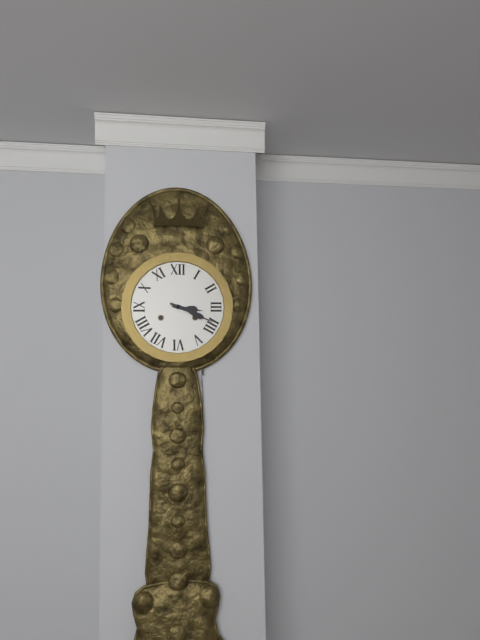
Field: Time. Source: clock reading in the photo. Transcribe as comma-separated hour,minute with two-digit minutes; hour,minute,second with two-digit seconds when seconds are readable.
3,19
